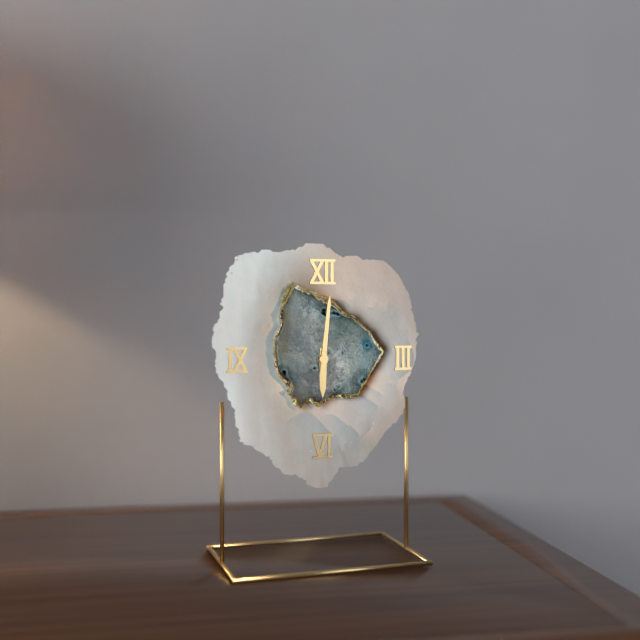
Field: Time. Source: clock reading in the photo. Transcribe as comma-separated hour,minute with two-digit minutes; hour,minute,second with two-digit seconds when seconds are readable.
6,01
